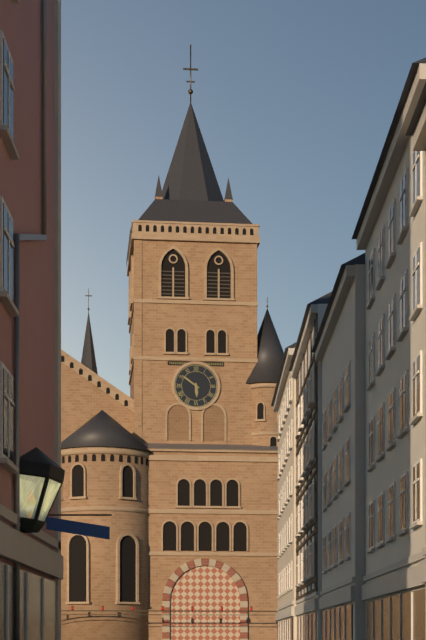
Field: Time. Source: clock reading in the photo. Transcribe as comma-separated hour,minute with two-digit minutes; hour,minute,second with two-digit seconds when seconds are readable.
5,51
